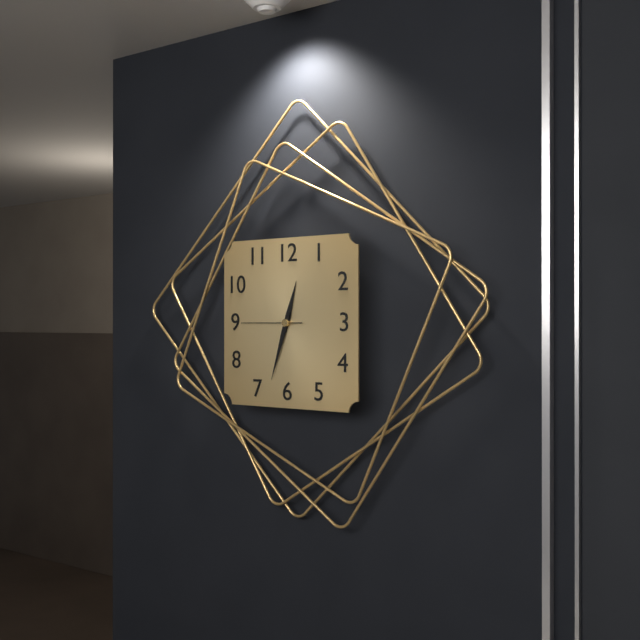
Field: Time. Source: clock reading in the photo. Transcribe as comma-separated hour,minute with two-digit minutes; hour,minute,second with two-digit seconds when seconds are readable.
12,33,45
